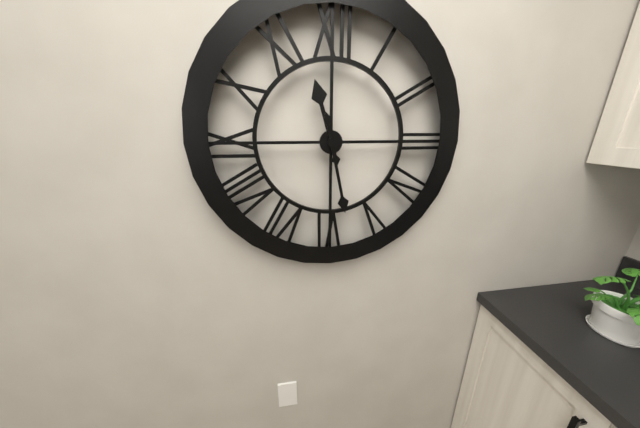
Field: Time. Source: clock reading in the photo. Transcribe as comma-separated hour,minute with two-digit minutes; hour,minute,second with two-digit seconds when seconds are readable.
11,28
